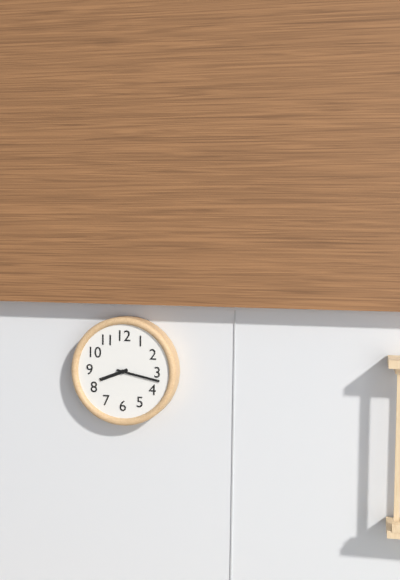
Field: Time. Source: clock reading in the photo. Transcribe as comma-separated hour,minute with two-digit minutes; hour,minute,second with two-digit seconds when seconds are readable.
8,17
